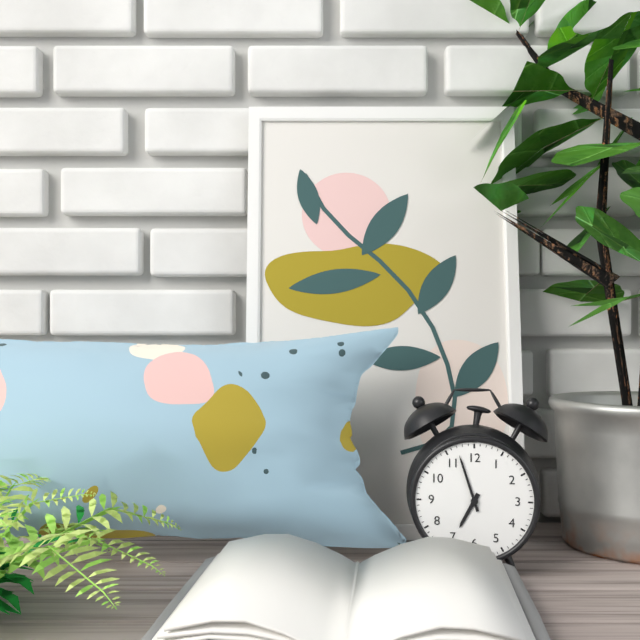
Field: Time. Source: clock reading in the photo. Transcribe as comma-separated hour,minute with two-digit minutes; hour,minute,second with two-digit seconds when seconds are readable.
6,57
